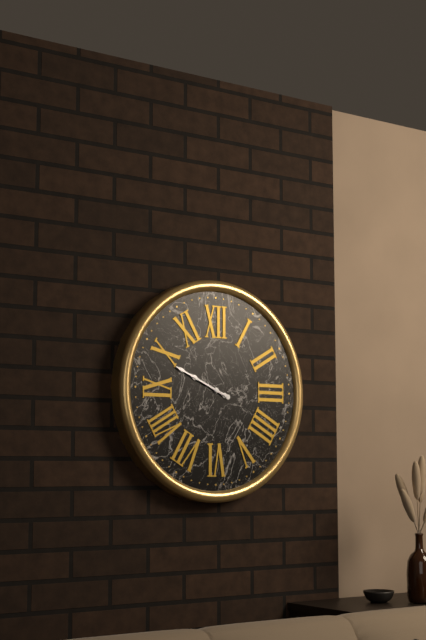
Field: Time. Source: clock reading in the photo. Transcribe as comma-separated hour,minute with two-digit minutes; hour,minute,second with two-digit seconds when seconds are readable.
9,49
